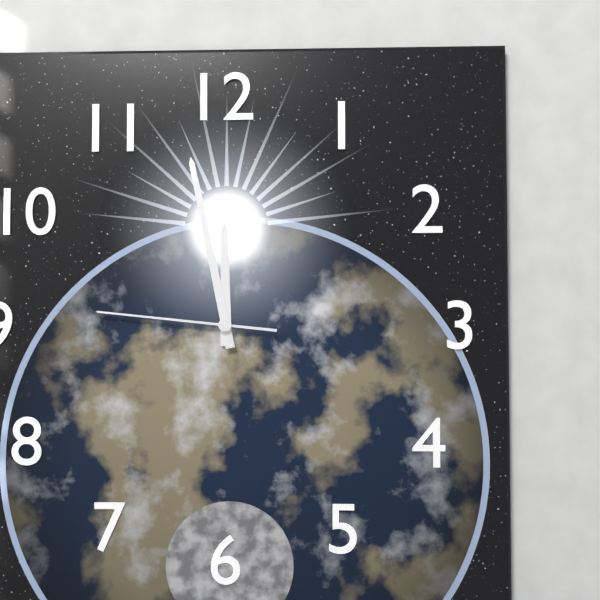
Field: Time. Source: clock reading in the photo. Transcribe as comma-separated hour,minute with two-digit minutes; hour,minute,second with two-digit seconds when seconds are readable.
11,58,46
